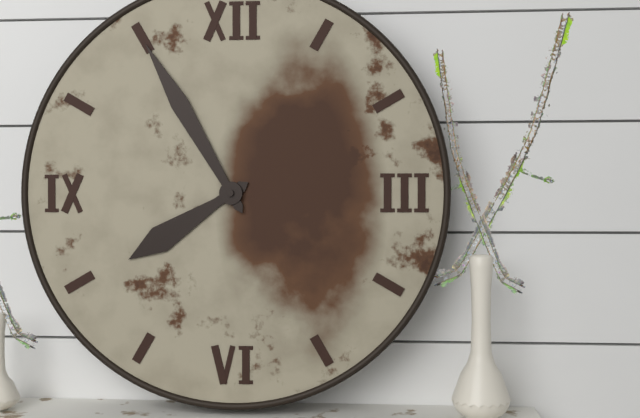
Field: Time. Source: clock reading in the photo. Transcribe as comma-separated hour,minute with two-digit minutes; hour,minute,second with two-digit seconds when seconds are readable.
7,55
